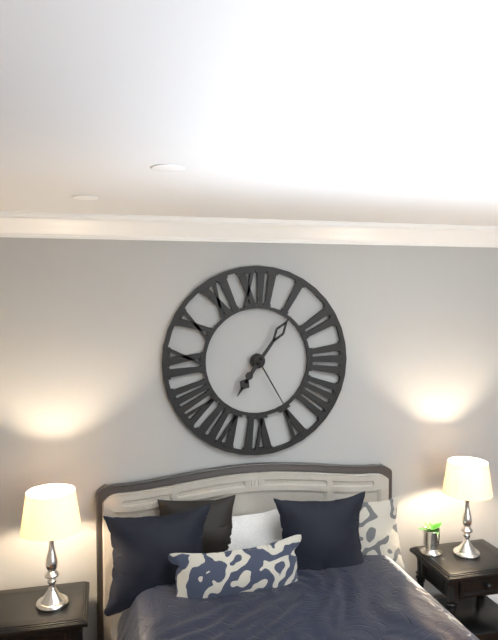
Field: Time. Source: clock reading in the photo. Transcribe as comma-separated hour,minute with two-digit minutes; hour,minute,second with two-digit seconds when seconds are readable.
7,06,25
